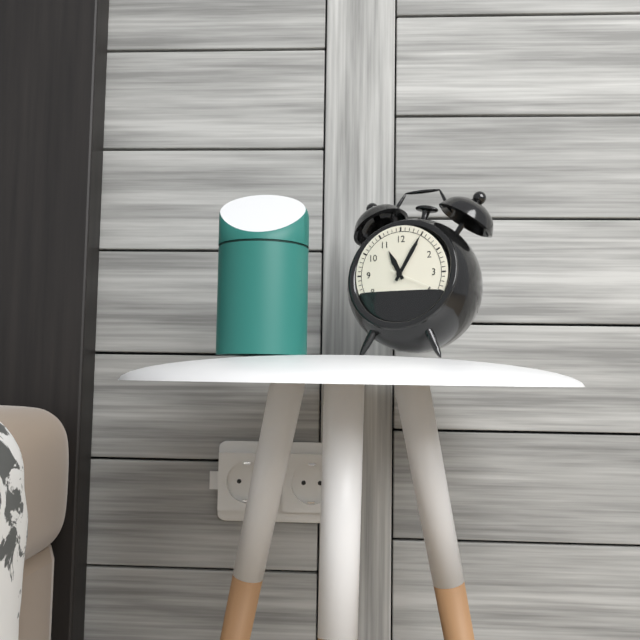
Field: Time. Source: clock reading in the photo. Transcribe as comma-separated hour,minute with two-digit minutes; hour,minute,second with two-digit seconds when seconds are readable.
11,05,19
